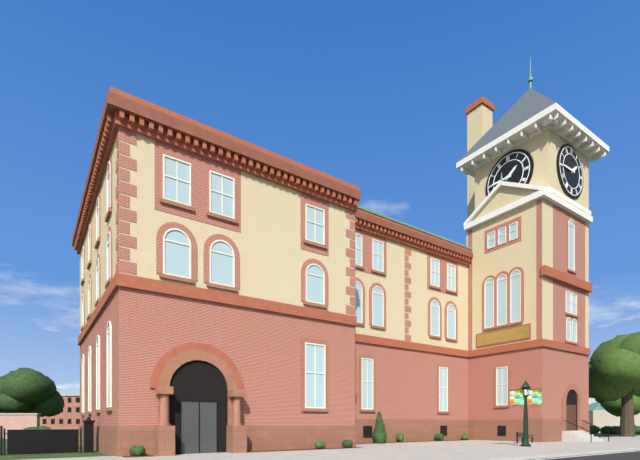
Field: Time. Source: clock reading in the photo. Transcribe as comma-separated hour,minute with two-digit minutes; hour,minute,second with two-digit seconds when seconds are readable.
1,45
